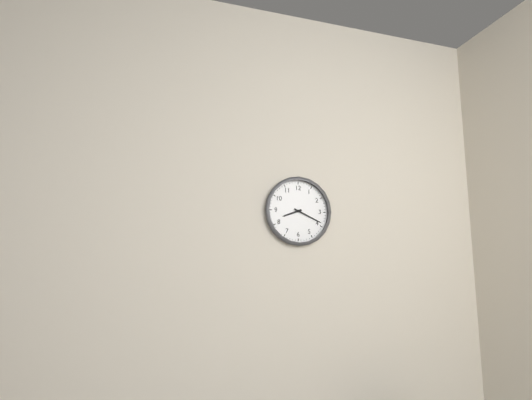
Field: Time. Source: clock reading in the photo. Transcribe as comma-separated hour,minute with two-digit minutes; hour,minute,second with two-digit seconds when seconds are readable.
8,19
